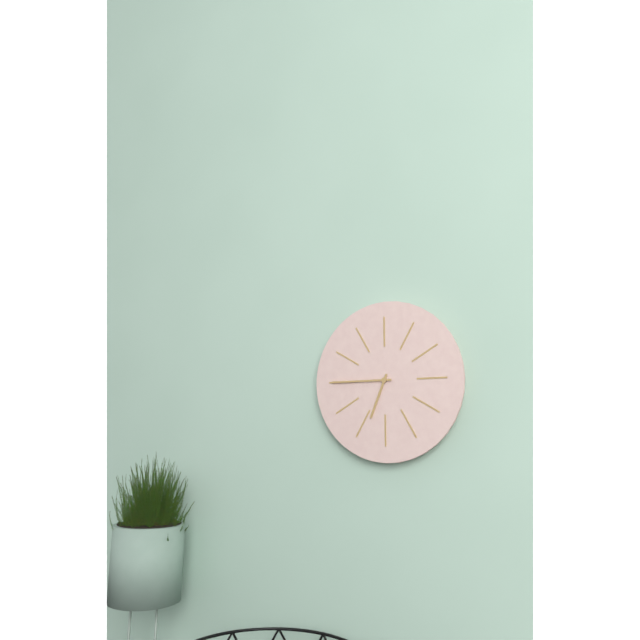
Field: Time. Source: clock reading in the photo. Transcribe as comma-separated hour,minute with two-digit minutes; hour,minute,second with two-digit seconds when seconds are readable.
6,45
